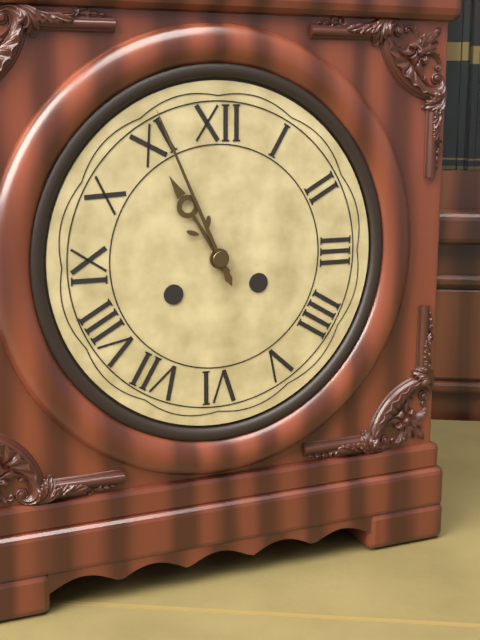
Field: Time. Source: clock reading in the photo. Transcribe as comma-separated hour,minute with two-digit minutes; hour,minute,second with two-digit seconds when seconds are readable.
10,56
